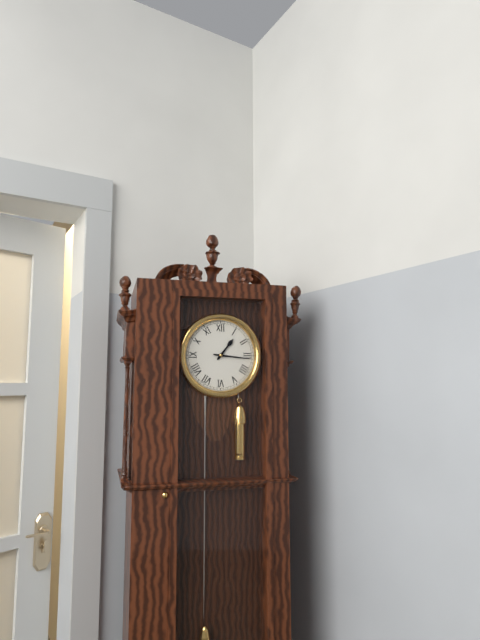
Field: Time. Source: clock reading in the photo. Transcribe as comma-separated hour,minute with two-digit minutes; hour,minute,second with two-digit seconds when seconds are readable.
1,16
